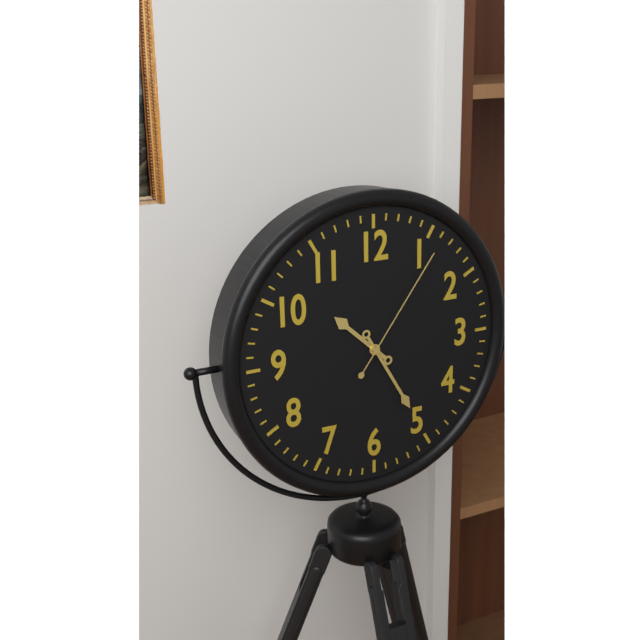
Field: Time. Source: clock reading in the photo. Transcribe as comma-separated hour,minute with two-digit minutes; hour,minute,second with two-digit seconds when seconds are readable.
10,25,06
